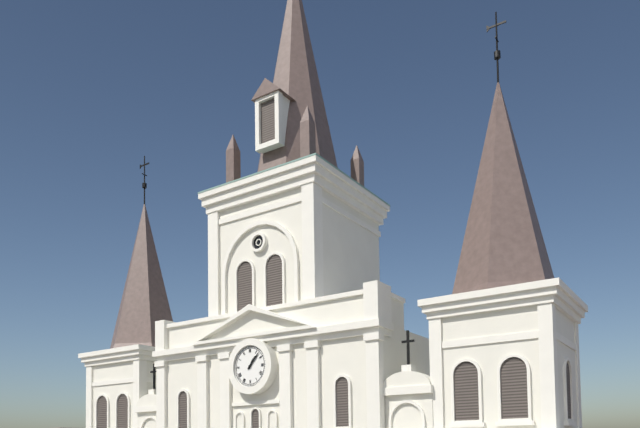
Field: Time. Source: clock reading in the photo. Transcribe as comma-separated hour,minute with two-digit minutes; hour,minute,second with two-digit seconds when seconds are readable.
1,07
